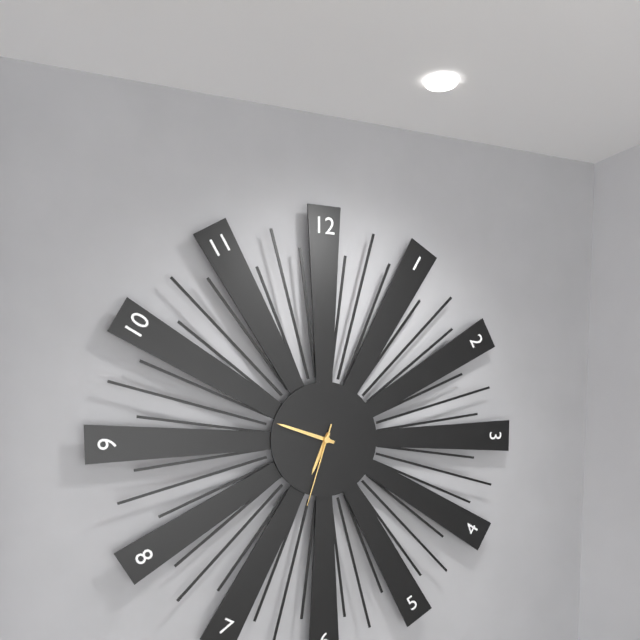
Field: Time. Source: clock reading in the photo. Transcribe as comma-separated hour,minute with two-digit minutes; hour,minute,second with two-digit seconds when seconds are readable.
6,48,33
